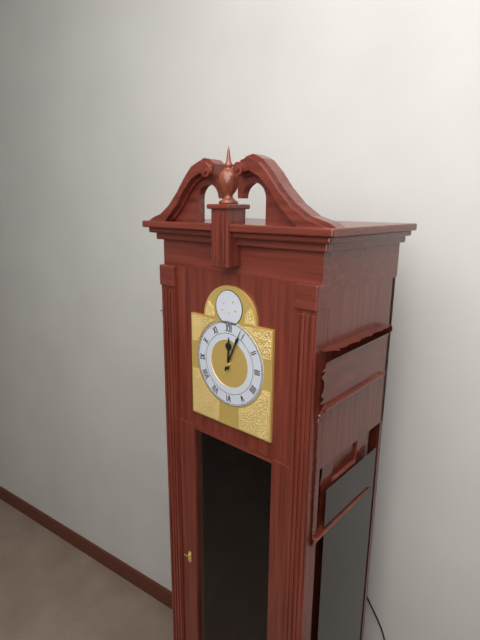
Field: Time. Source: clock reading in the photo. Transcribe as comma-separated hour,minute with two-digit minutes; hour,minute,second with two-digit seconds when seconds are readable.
12,04
